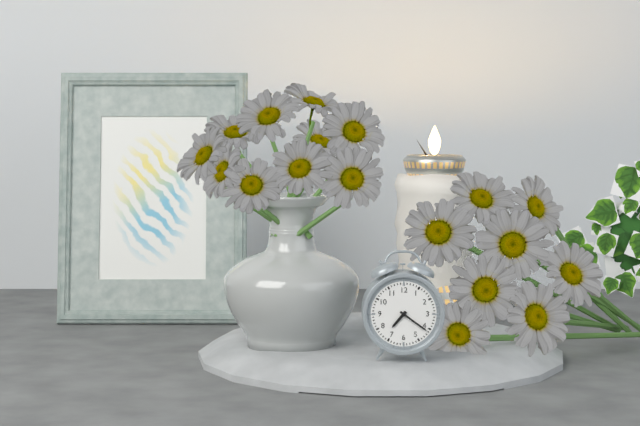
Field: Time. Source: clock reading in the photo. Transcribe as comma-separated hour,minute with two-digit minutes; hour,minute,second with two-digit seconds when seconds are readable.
7,21
